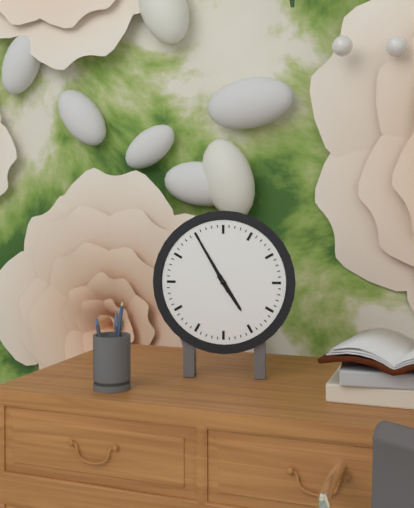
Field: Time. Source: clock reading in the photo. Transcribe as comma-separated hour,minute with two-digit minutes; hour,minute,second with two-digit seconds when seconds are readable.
4,55
